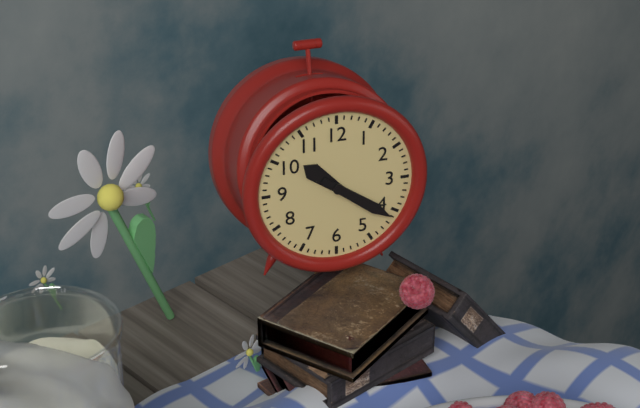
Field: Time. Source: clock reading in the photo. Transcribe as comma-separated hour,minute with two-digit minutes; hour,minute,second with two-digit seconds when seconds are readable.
10,21
